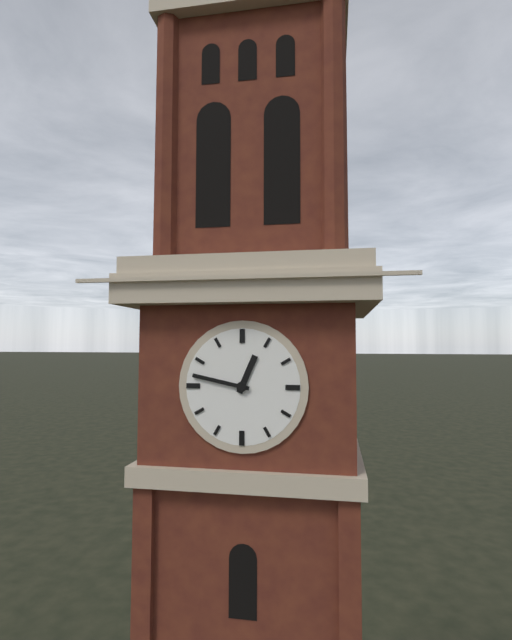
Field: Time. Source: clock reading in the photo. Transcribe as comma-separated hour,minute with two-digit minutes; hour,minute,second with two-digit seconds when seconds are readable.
12,47
